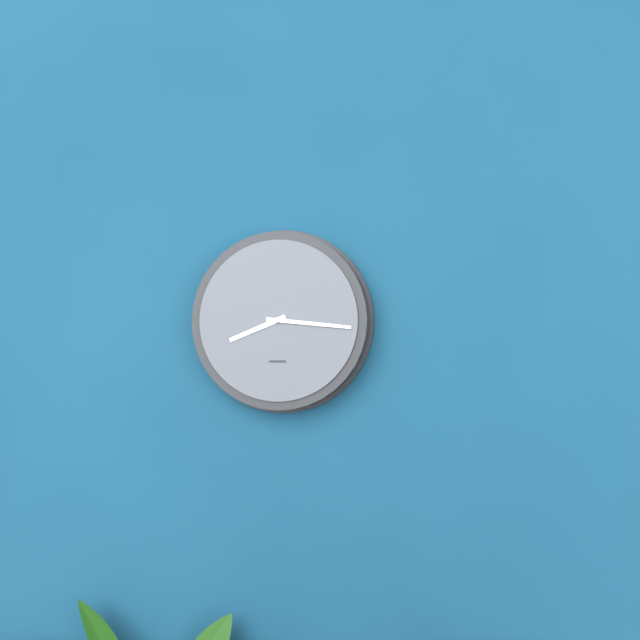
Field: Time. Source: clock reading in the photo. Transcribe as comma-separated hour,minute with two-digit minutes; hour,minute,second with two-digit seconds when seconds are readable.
8,16
